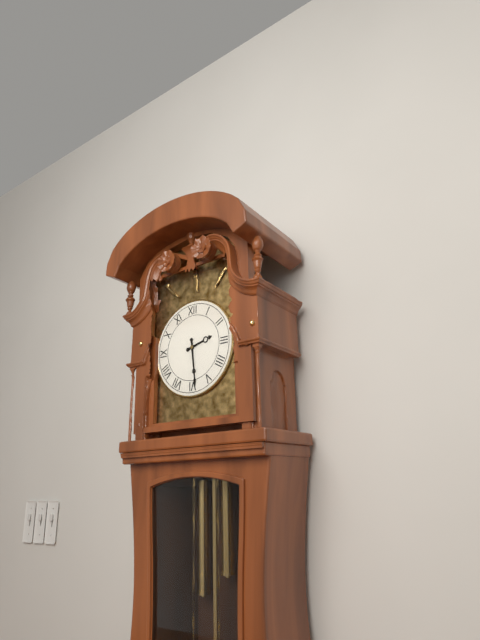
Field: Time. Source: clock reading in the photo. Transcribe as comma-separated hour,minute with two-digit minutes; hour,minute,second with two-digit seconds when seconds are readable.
2,29
